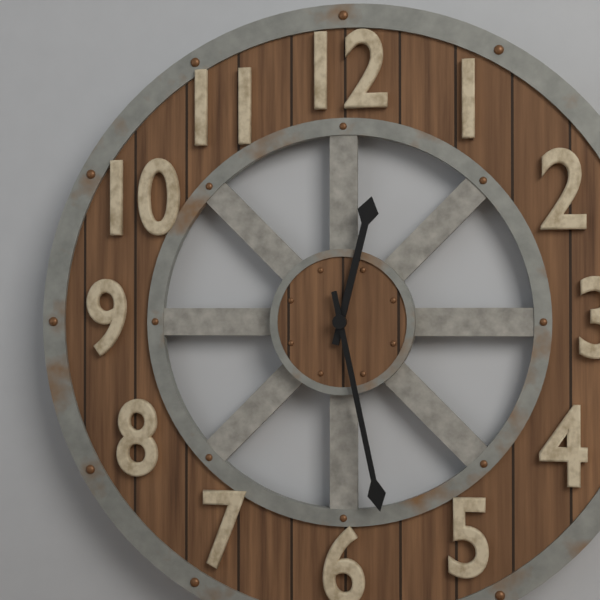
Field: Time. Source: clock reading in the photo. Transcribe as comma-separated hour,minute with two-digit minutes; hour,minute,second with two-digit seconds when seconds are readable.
12,28
